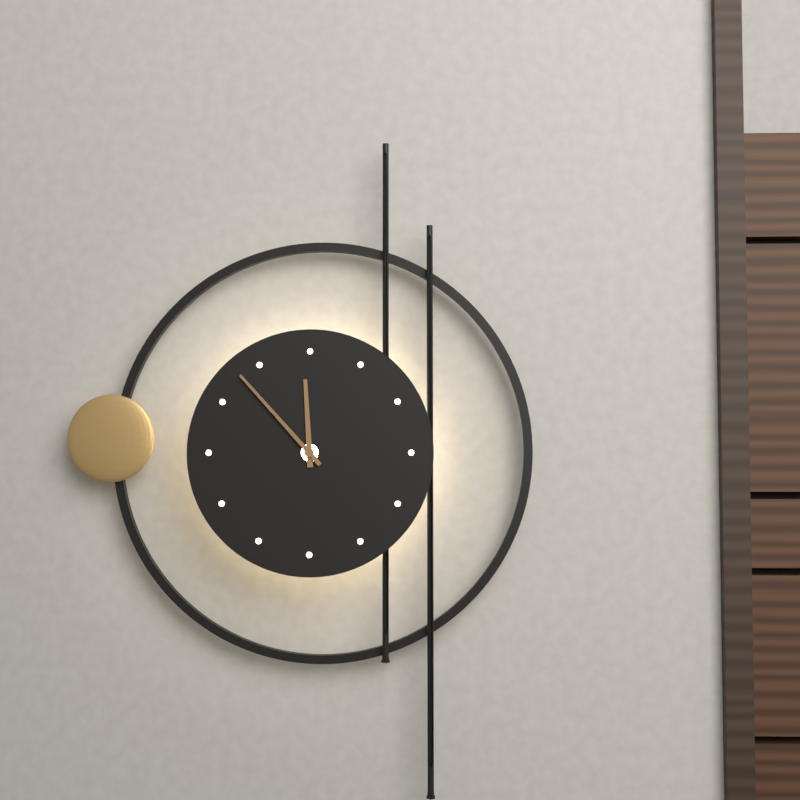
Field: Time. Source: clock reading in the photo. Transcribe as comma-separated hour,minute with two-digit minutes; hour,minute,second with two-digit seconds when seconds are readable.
11,53
